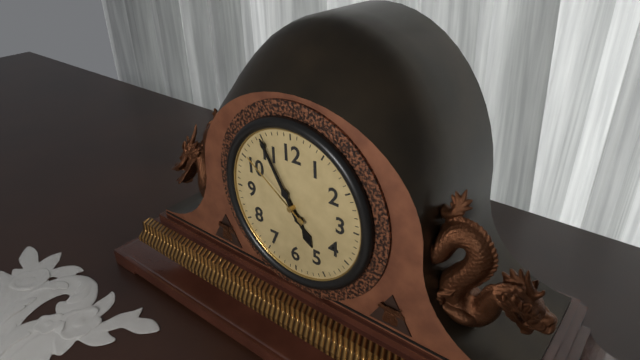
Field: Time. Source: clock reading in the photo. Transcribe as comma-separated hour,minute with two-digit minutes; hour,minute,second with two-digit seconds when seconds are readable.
4,55,51
